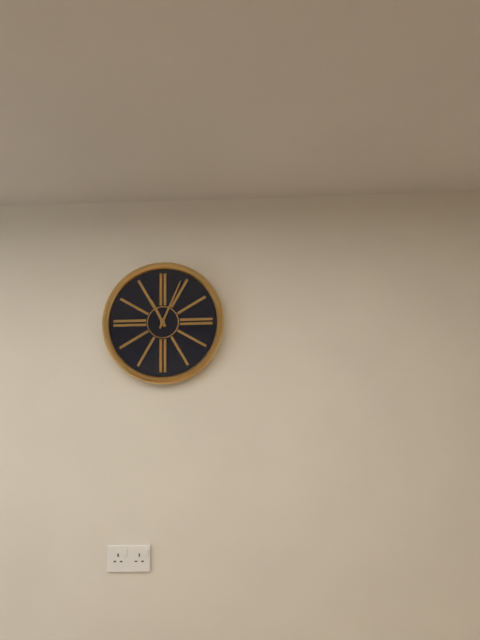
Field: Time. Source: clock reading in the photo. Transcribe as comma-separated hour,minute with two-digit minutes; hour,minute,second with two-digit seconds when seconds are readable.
11,04
